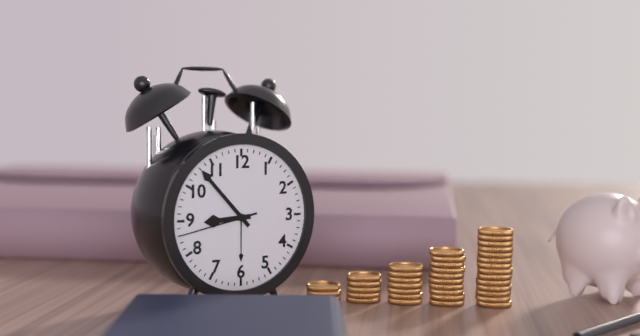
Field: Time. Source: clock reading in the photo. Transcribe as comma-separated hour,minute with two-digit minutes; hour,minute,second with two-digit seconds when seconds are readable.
8,53,43
